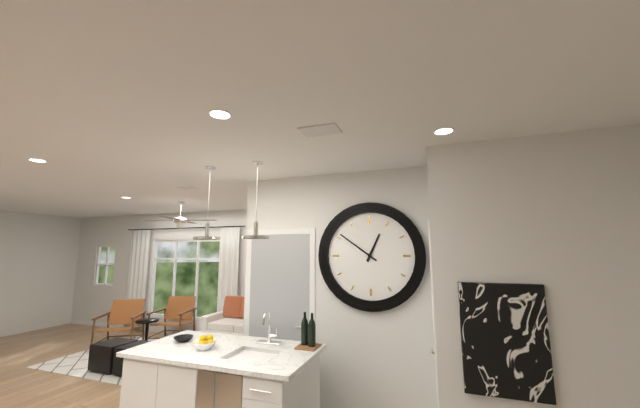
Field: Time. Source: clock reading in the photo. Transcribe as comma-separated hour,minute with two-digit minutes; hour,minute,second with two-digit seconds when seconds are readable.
12,51
